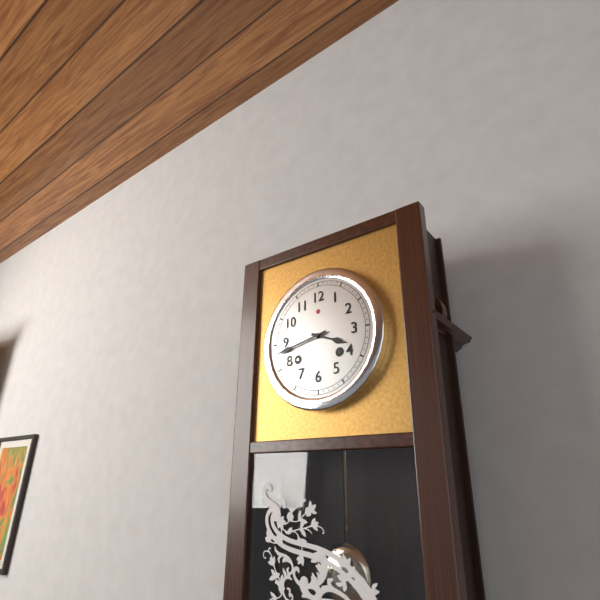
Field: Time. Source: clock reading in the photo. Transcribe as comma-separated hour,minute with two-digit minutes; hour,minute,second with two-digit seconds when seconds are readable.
3,43
